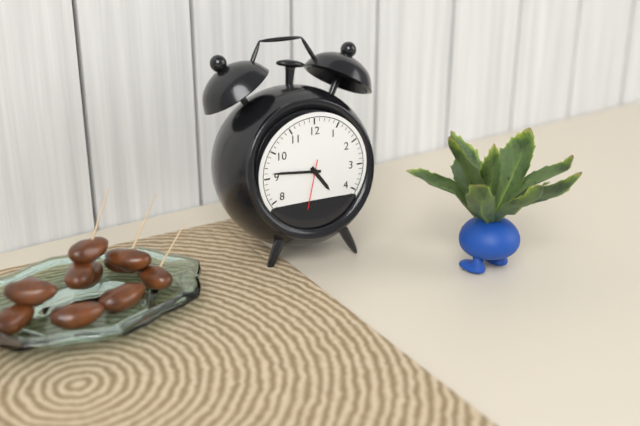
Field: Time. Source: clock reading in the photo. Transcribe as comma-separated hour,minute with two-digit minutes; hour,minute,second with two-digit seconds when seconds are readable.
4,46,32
